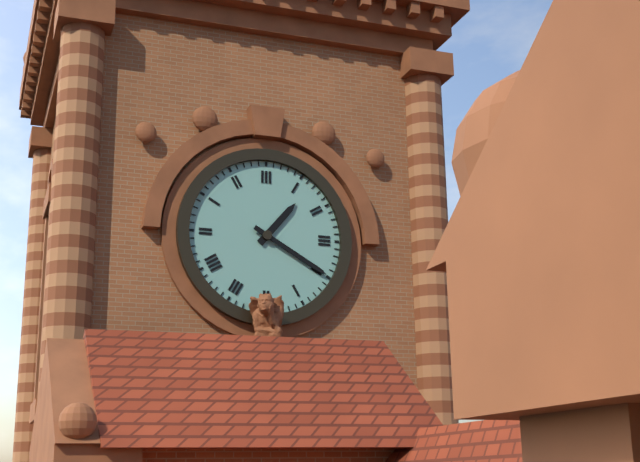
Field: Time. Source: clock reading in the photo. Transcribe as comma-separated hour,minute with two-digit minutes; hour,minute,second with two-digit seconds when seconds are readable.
1,20
